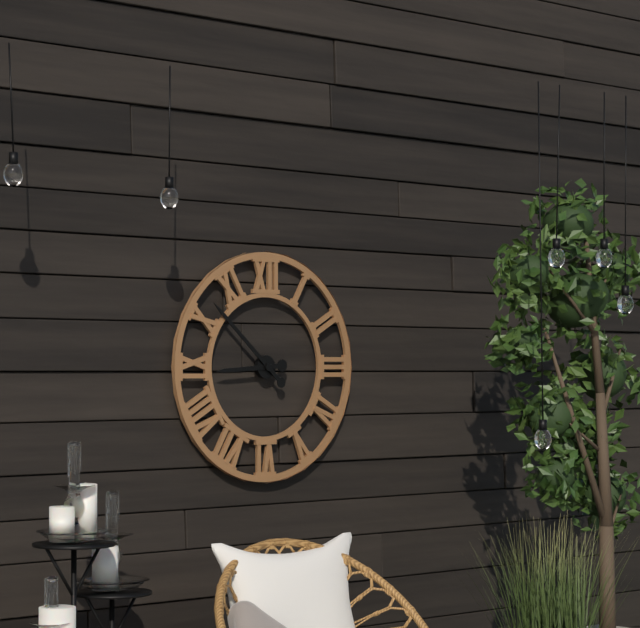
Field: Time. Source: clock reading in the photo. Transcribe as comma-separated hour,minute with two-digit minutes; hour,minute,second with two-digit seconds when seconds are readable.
8,52
